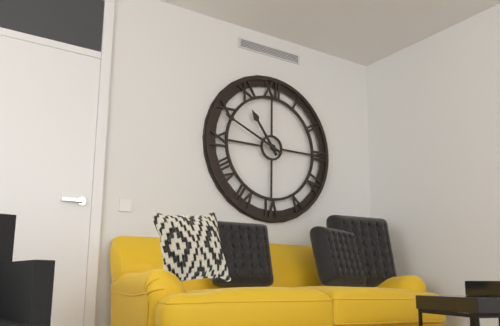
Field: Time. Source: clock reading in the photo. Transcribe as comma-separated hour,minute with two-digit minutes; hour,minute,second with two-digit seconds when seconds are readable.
10,49
